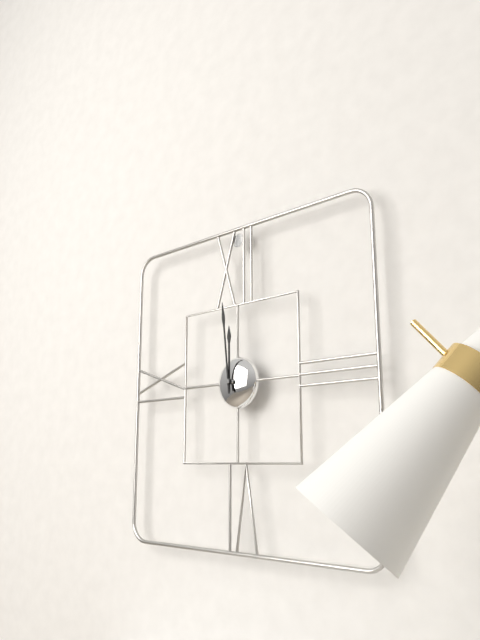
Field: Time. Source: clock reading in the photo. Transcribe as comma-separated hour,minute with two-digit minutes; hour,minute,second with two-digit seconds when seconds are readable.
11,59
